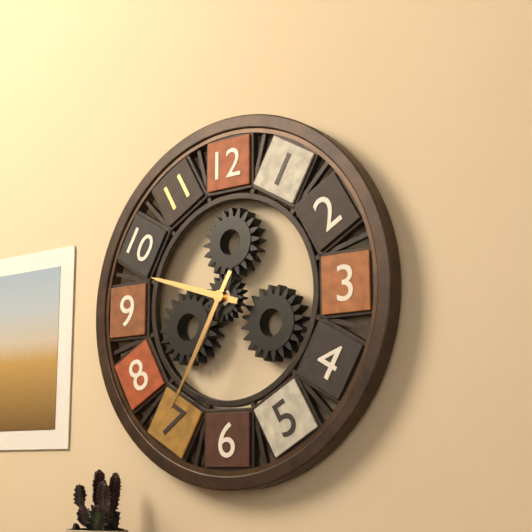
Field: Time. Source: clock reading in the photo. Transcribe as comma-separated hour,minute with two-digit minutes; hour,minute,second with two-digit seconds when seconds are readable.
9,35
